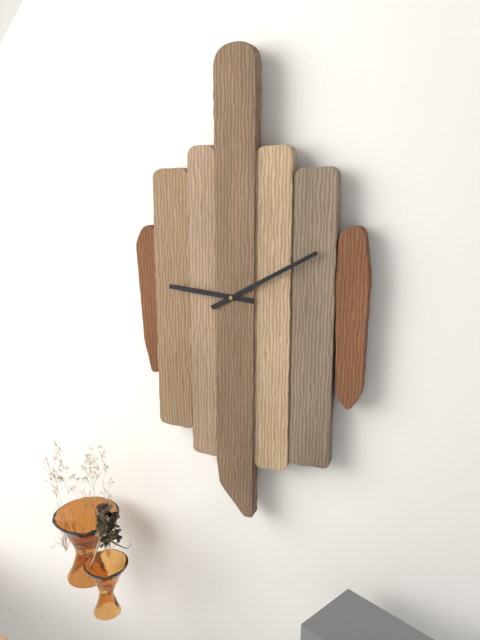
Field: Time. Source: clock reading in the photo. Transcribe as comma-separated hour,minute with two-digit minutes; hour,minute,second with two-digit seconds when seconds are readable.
9,10
